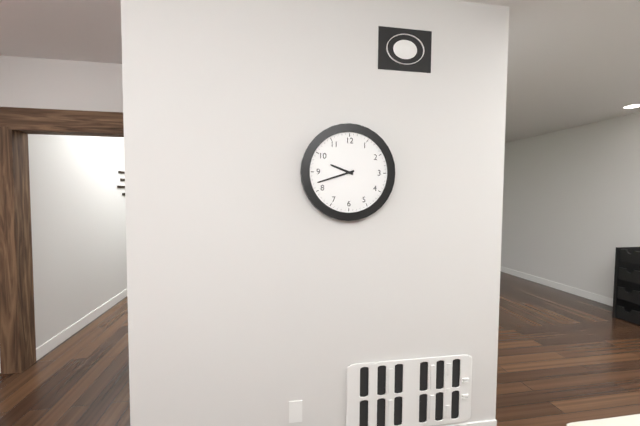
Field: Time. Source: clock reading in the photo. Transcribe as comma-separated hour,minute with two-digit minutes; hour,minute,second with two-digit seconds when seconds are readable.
9,42
